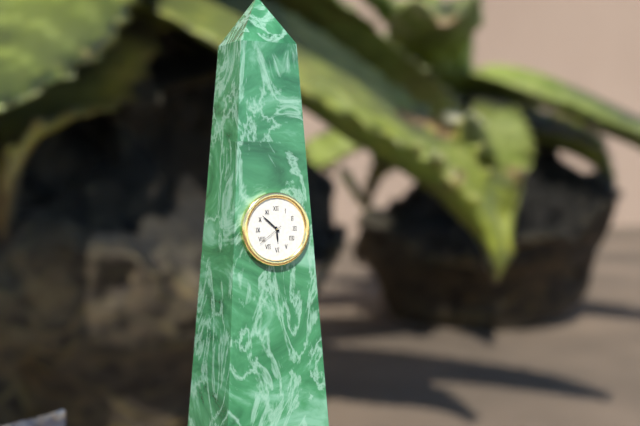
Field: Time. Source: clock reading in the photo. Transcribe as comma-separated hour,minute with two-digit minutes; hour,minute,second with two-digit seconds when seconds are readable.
5,52
